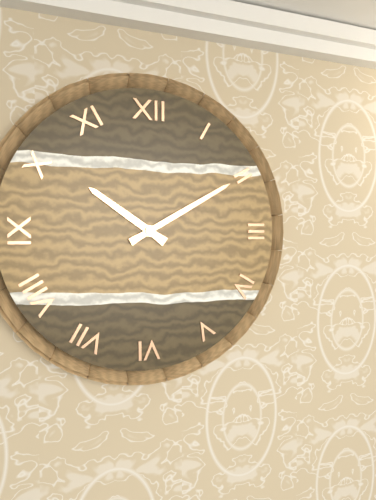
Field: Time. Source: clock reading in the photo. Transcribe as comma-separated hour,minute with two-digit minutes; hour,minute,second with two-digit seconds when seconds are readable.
10,10
